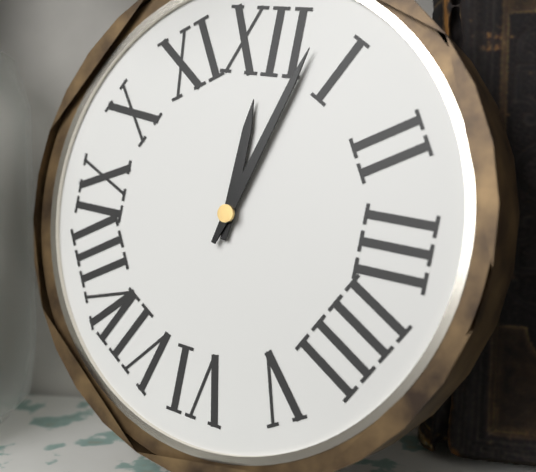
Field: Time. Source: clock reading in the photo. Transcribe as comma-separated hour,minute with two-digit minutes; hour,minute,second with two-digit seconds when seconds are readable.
12,03
